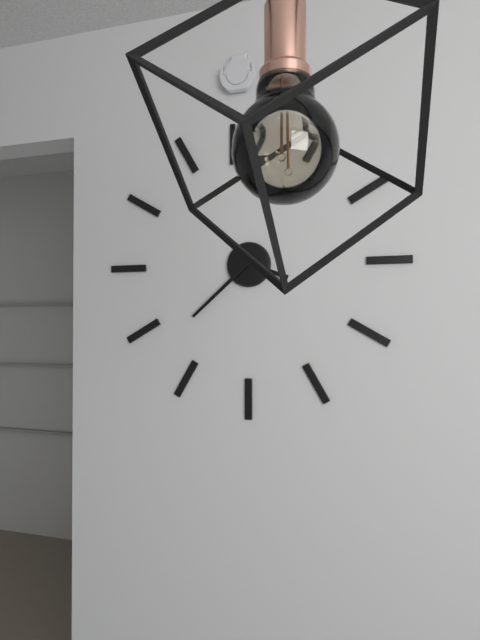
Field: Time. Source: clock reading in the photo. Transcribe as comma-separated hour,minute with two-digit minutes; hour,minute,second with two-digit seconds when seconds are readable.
3,38
